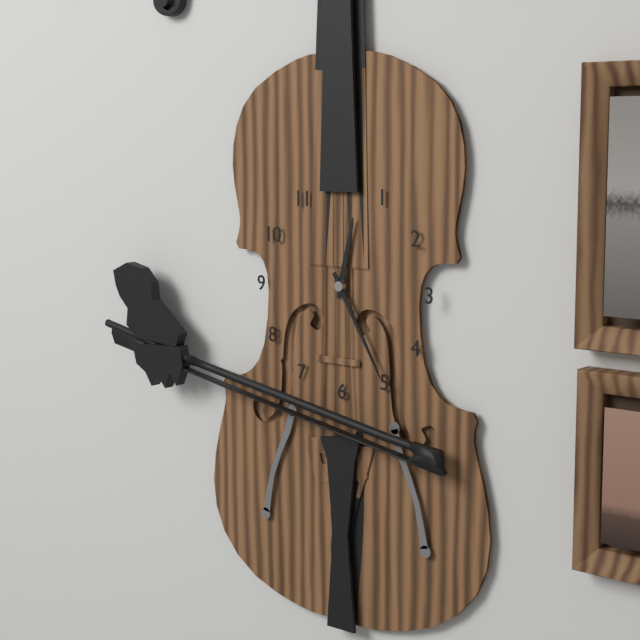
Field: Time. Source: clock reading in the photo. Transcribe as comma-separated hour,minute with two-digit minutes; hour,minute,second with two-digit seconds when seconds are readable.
12,25
